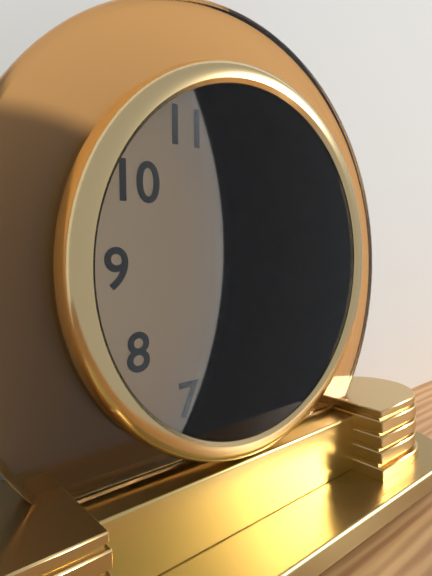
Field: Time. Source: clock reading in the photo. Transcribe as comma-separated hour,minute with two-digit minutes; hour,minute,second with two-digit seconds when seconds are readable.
12,18
